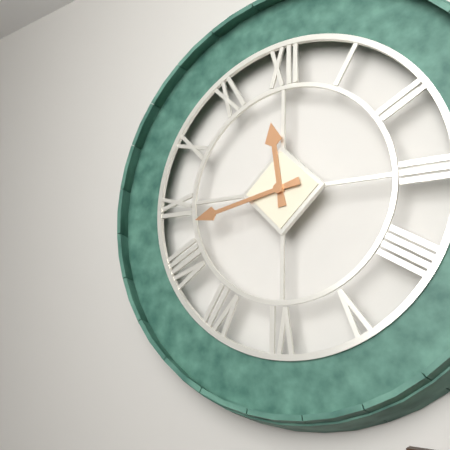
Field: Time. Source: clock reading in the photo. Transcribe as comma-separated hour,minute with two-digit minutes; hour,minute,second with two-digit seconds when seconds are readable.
11,43
